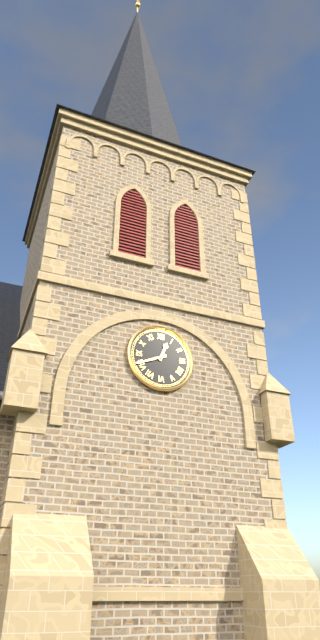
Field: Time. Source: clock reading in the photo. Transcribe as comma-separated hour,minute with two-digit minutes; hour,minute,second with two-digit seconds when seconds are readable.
12,41
